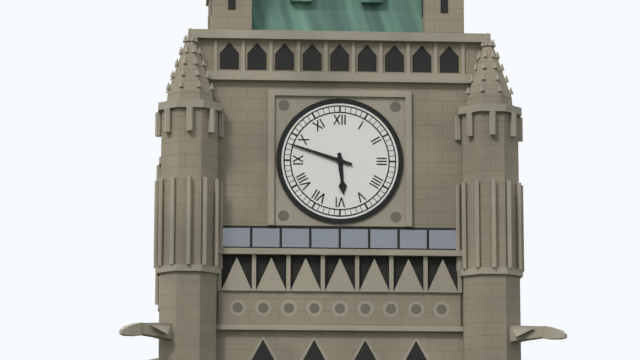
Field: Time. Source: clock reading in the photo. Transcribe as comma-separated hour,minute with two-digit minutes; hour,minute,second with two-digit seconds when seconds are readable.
5,48
